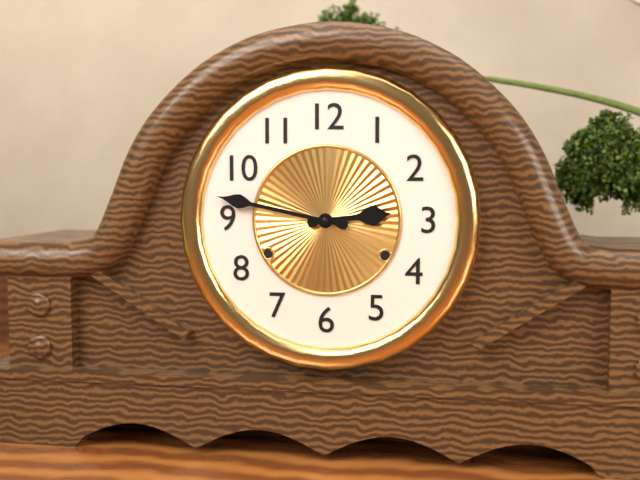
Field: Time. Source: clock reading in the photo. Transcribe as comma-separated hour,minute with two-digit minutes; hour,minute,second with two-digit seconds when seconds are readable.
2,47
